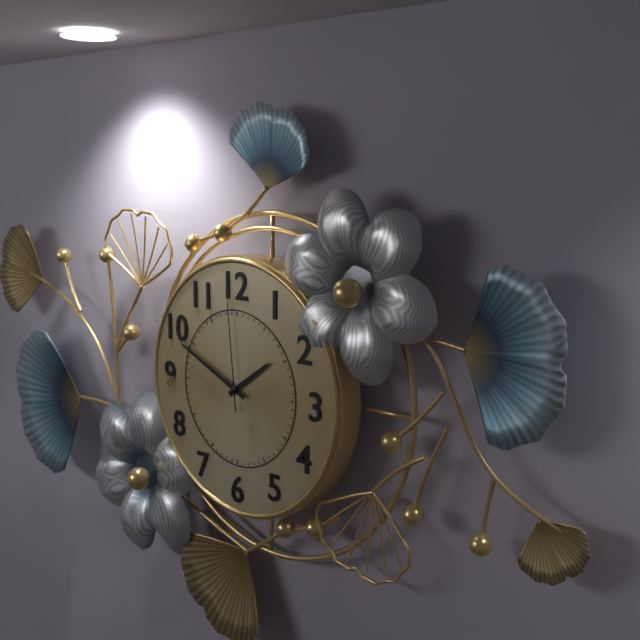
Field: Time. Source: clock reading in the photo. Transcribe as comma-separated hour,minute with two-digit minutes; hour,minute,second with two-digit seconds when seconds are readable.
1,49,59
